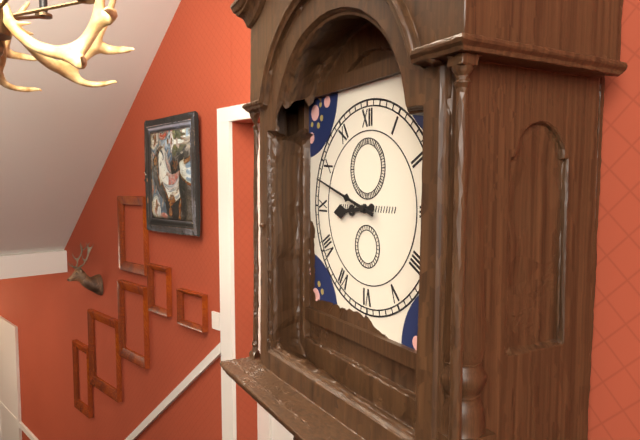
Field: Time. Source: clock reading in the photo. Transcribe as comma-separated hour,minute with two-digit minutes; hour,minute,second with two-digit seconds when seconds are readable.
8,48
